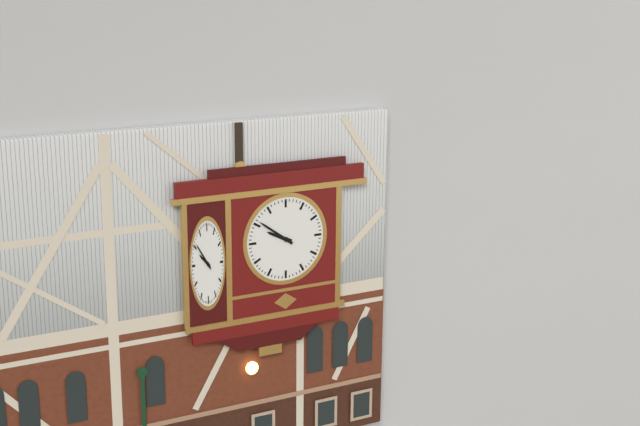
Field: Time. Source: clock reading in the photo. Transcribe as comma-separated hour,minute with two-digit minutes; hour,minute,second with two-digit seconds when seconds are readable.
9,51
